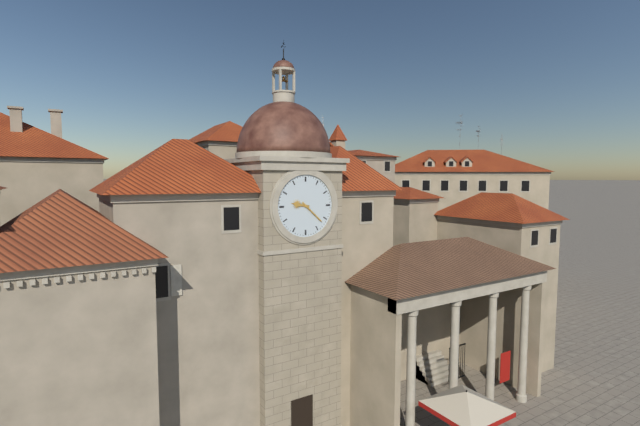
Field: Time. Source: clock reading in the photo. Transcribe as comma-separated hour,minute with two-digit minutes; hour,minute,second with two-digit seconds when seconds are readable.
9,22
